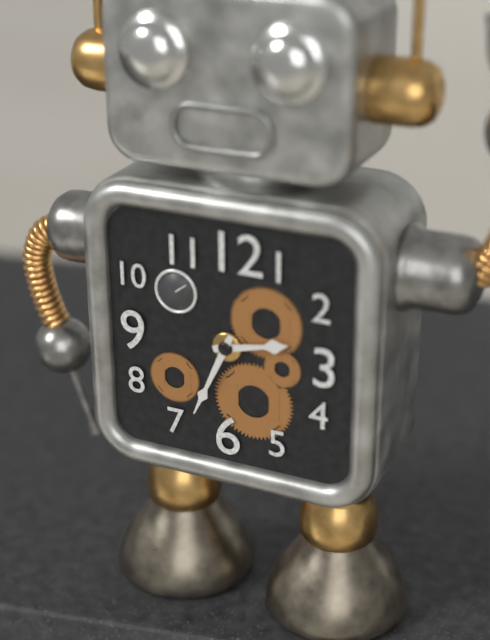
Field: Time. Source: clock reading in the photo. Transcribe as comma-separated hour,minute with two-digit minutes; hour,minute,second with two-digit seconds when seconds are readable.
2,34
